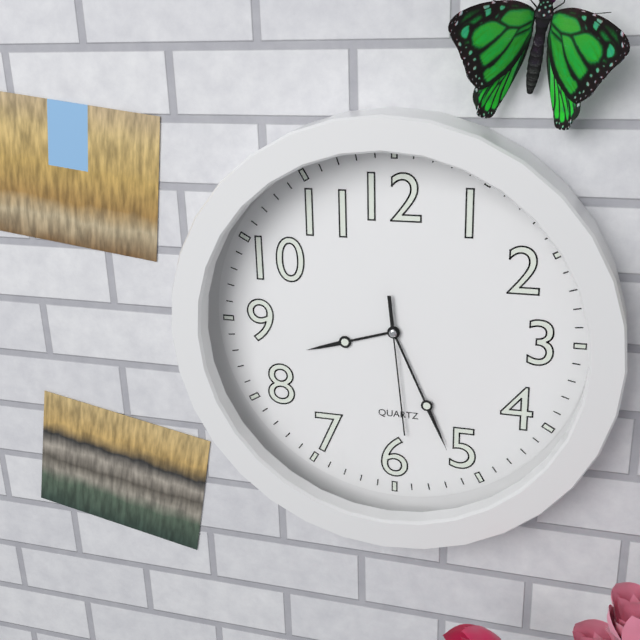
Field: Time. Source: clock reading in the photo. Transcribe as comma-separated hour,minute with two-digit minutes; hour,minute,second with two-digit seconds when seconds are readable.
8,26,29
